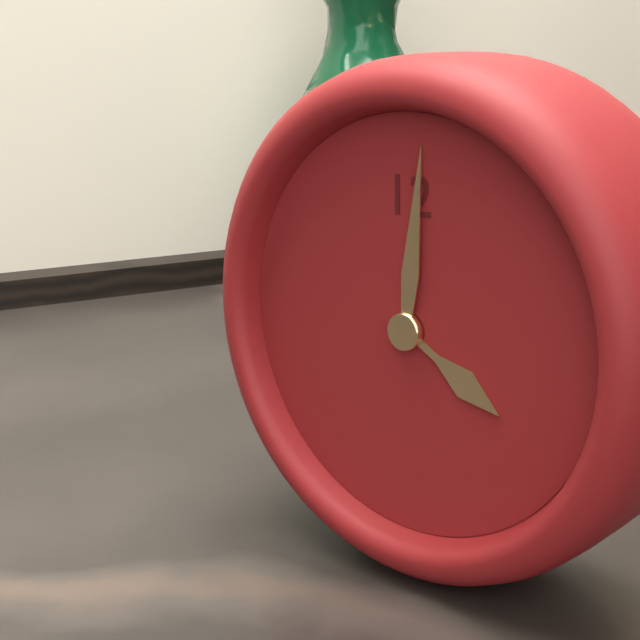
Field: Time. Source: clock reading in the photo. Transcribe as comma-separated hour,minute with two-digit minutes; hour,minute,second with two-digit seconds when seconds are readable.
4,01
